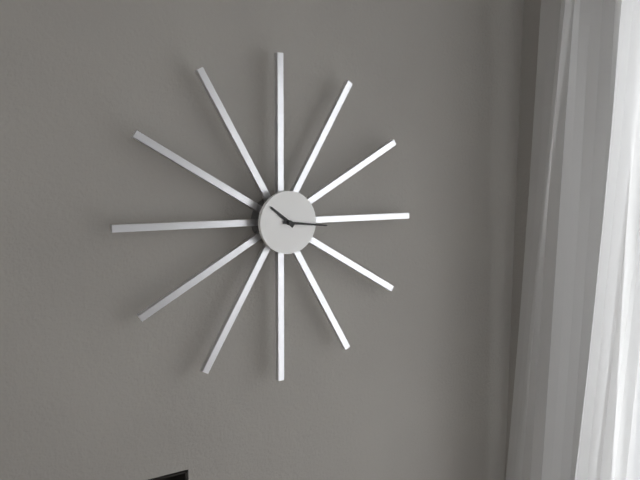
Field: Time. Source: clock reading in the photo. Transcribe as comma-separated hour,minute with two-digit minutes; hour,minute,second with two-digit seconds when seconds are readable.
10,16
